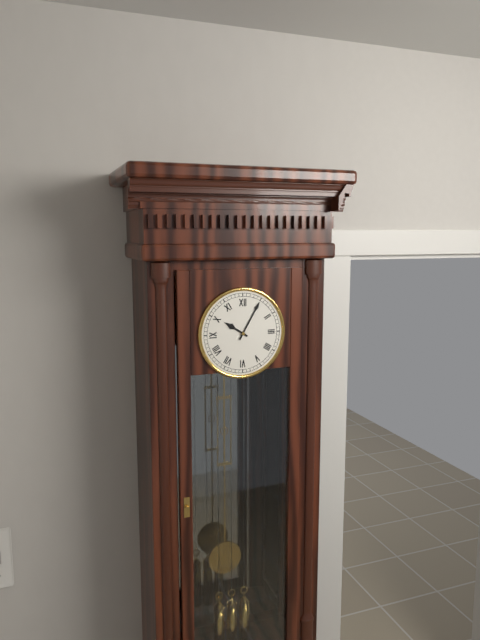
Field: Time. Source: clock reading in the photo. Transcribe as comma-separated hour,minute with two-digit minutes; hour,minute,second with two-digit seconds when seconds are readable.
10,05
